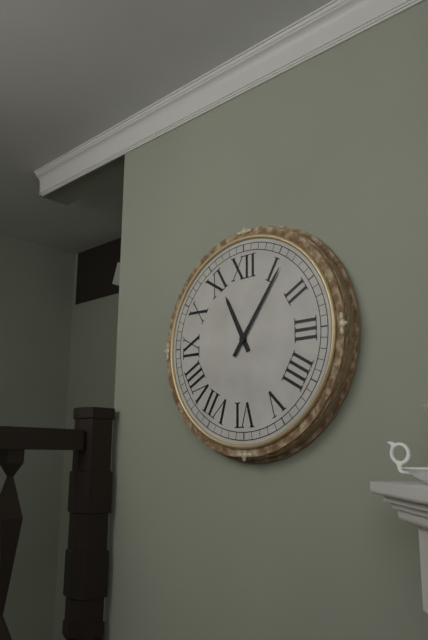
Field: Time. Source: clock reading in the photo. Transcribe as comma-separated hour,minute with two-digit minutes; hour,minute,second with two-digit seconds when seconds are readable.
11,06
